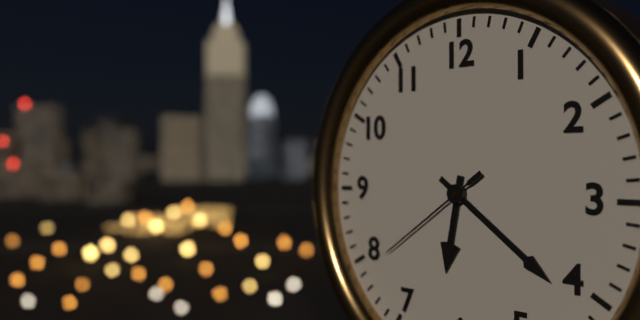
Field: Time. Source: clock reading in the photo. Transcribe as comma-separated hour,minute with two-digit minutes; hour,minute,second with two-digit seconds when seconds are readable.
6,21,39
